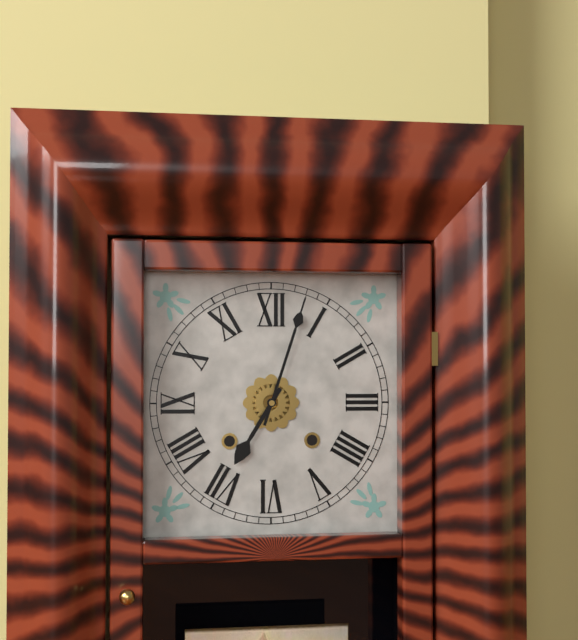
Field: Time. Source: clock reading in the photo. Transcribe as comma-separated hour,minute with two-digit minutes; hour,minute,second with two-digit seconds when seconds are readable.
7,03
